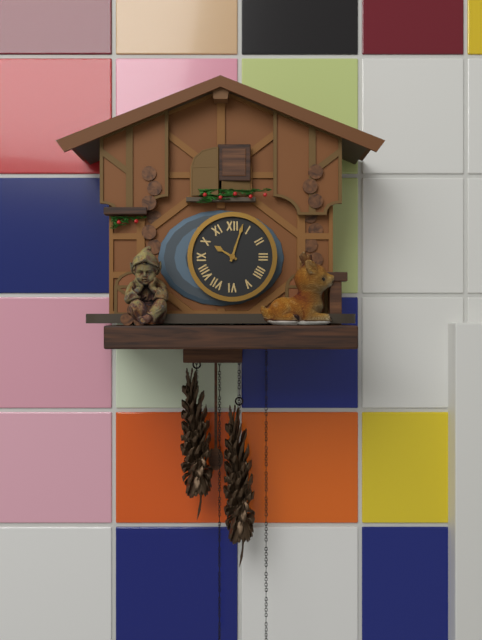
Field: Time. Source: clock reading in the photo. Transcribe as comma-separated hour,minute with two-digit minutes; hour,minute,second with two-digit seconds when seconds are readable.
10,03
